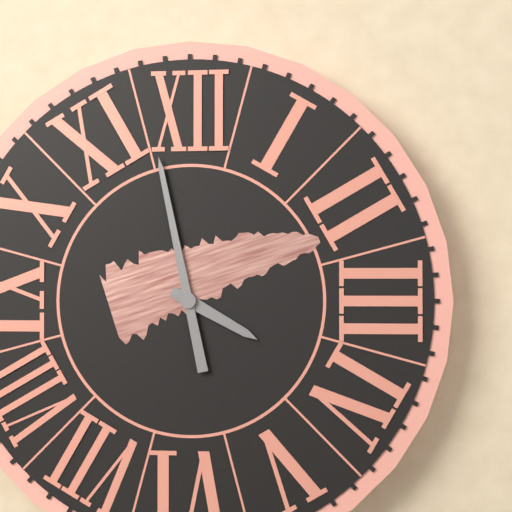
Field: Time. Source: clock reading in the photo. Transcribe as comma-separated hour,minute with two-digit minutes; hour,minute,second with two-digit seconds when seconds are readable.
3,58
